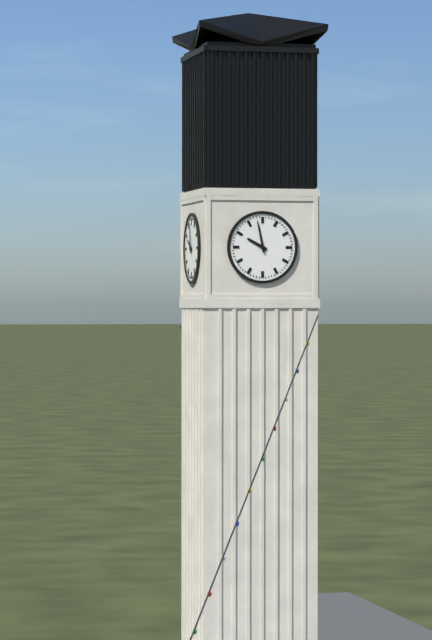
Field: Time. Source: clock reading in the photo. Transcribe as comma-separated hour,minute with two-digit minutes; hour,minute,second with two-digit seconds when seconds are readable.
9,58
